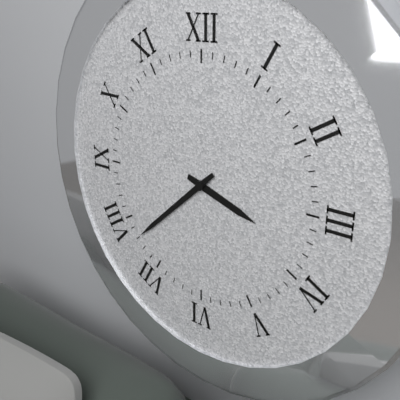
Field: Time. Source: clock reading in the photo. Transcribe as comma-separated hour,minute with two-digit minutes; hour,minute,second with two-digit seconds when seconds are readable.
3,38
